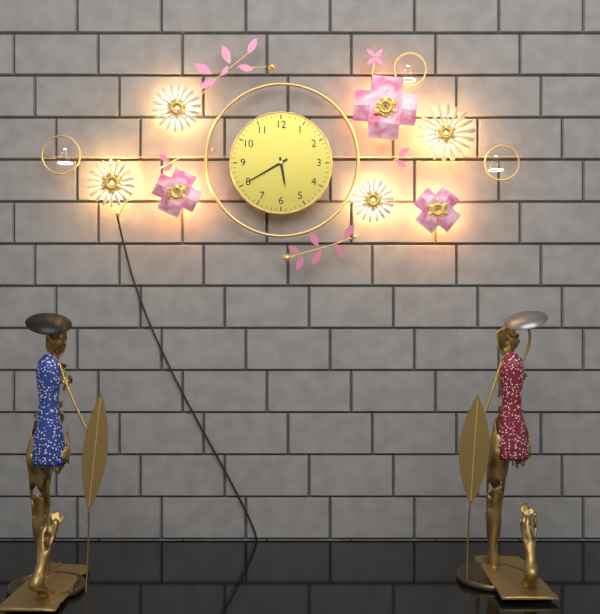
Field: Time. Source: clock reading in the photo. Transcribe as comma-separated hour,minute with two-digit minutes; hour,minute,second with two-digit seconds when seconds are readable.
5,40
